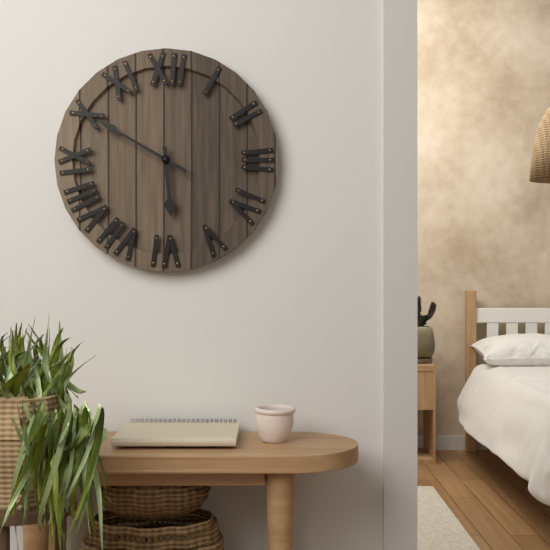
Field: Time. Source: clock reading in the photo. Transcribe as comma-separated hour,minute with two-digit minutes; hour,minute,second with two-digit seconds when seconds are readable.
5,50
